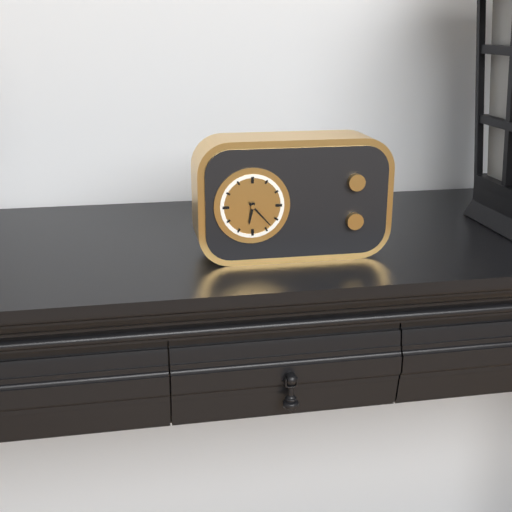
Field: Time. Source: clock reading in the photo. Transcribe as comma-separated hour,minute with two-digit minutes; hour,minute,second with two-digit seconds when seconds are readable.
6,23
